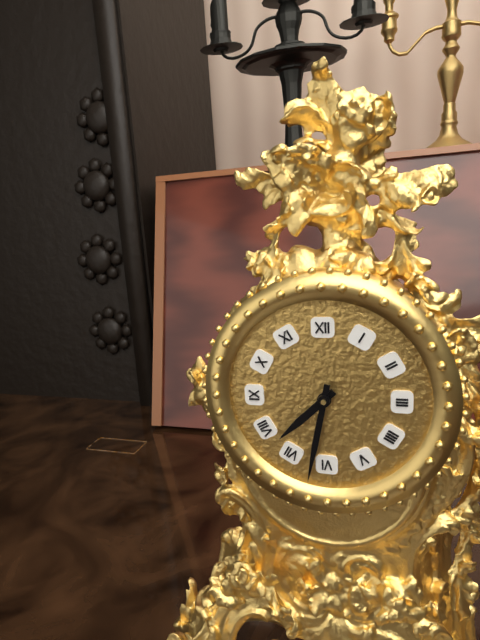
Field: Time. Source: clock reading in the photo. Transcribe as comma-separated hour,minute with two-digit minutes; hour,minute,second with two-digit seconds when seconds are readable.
7,32
